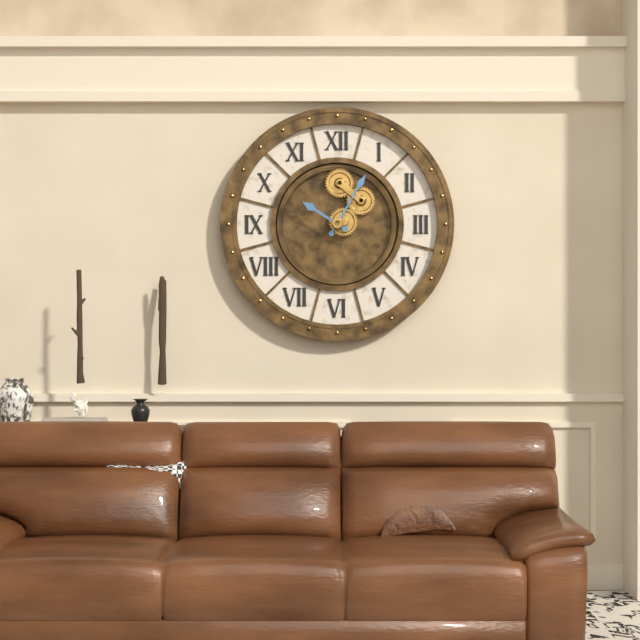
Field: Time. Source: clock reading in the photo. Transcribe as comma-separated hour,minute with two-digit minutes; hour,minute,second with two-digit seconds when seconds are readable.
10,05
